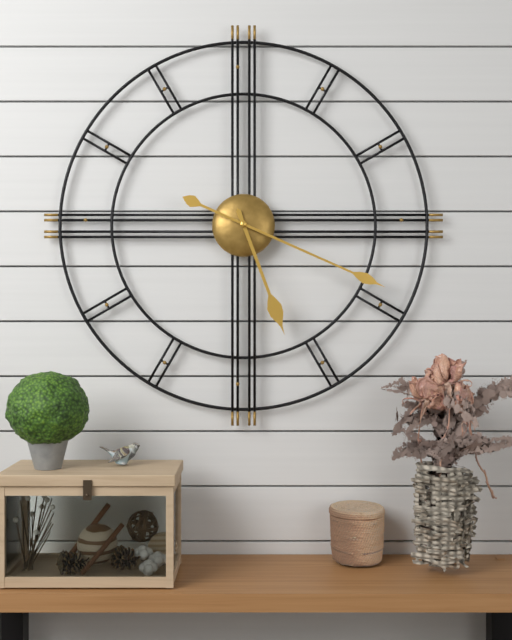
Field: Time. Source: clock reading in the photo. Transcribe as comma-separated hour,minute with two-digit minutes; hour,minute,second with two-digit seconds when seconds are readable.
5,19
